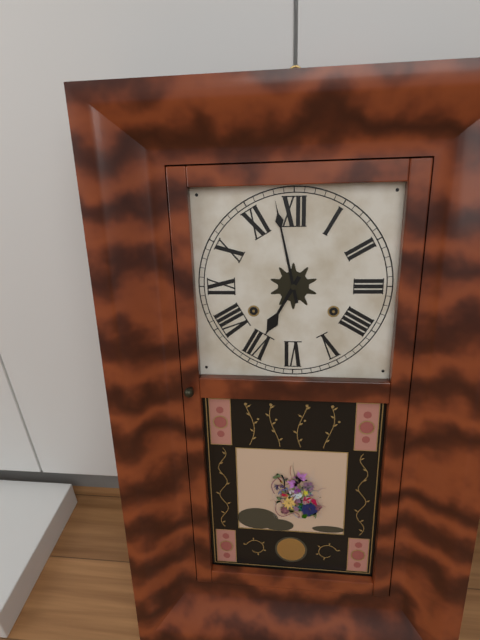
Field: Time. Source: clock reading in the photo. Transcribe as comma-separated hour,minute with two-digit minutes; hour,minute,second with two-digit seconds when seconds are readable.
6,58
